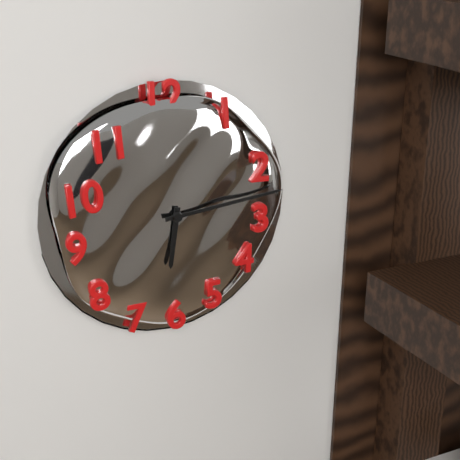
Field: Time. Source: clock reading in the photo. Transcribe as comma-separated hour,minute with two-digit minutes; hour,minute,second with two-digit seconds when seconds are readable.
6,14
